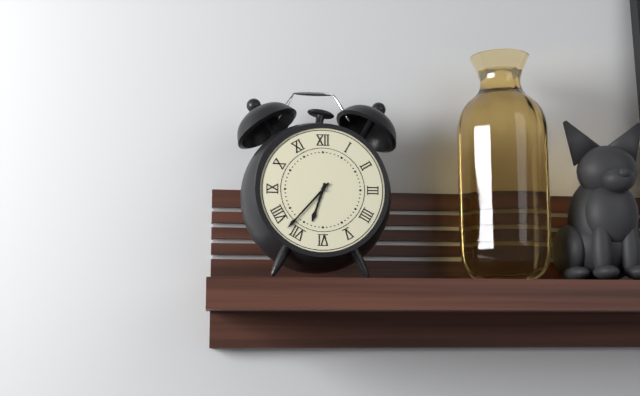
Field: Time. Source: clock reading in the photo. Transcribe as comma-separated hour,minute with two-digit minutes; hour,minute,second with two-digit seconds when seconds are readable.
6,37
